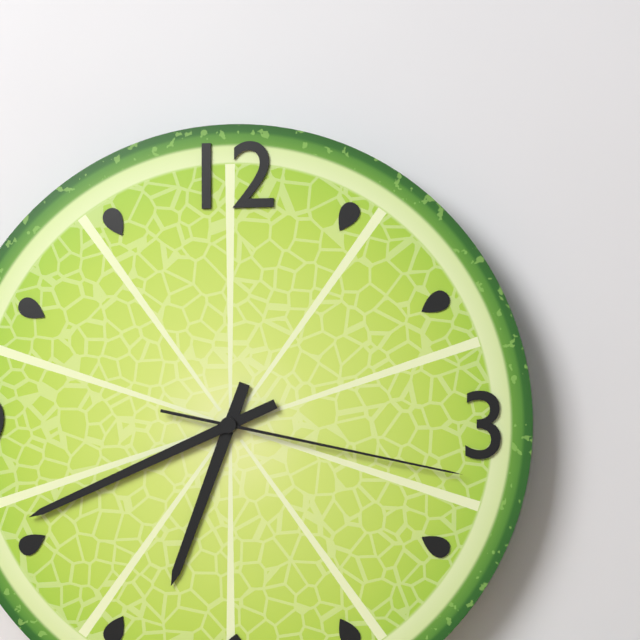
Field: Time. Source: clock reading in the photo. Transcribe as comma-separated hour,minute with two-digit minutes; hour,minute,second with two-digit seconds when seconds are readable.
6,41,17
